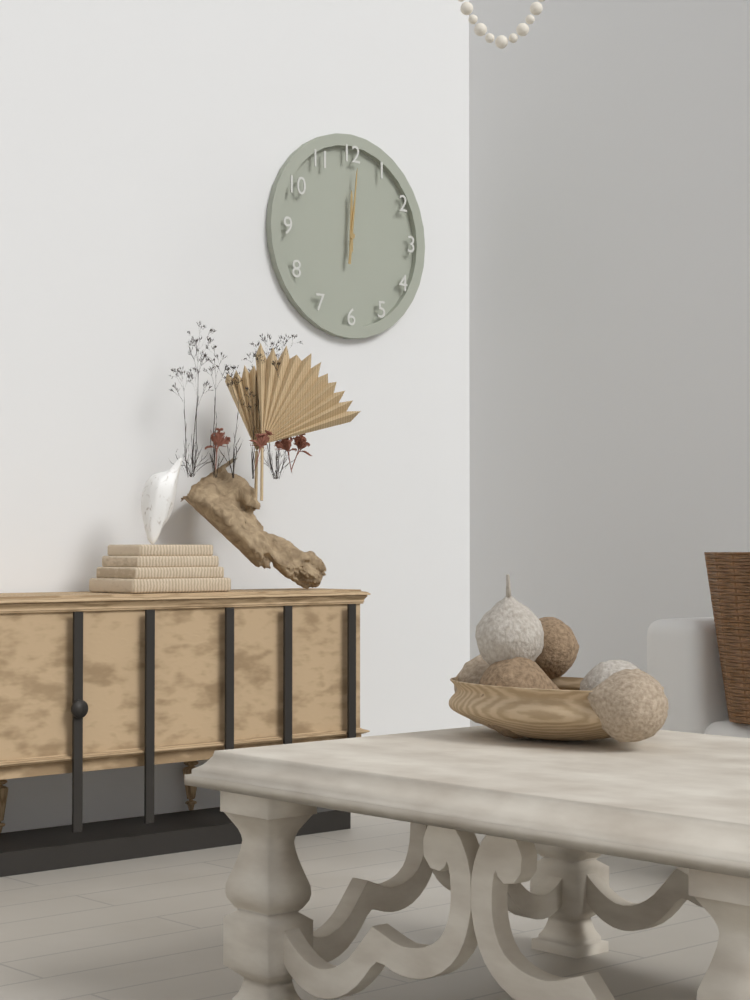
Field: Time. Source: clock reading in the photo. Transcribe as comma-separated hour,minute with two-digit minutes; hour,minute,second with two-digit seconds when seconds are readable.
12,01
